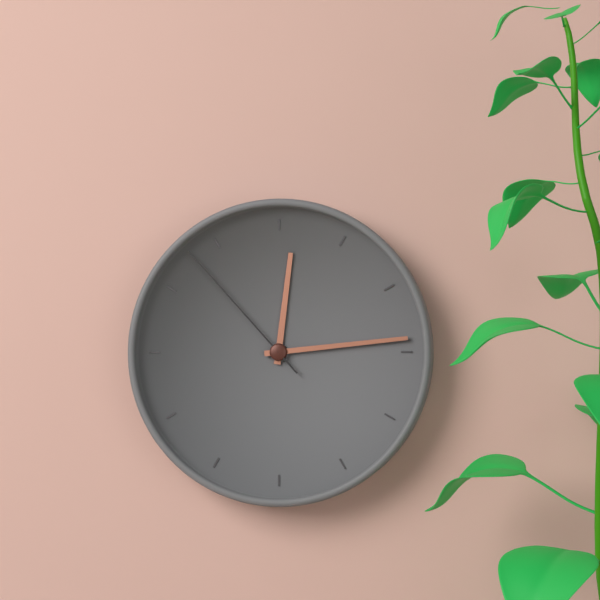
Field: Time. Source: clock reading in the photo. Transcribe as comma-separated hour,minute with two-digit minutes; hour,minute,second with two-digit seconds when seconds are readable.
12,14,53
